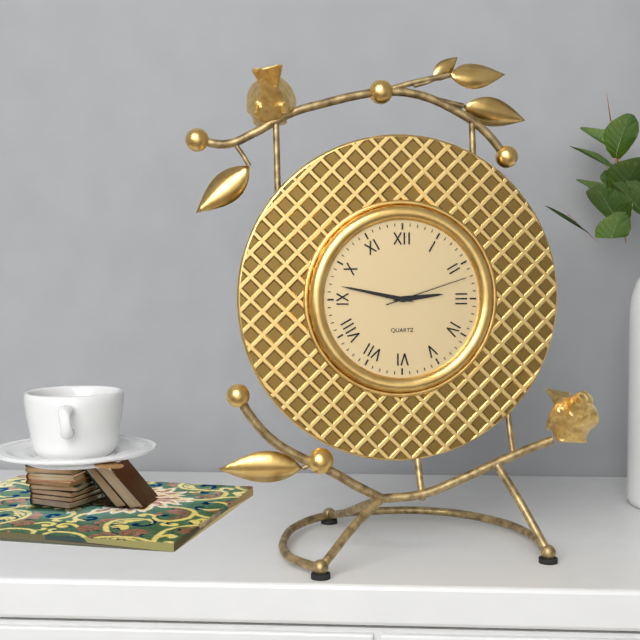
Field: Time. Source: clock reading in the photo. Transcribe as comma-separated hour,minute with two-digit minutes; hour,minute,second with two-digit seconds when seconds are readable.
2,47,12
